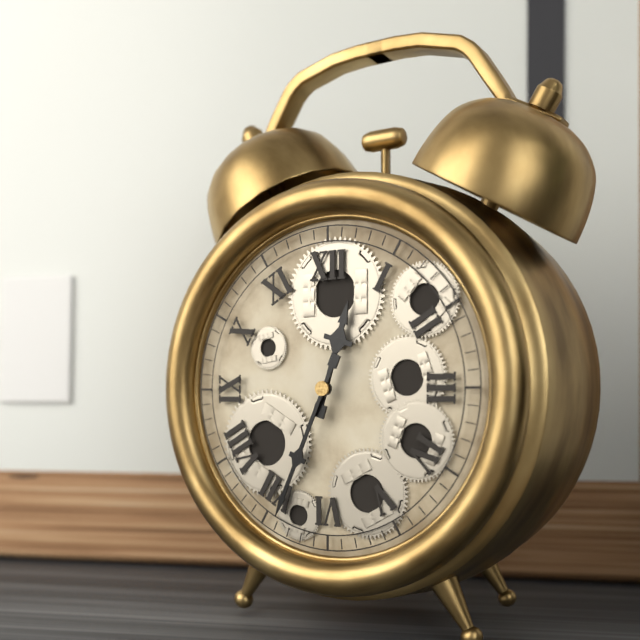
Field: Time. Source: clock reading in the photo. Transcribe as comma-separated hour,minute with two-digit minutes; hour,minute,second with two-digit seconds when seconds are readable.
12,34
